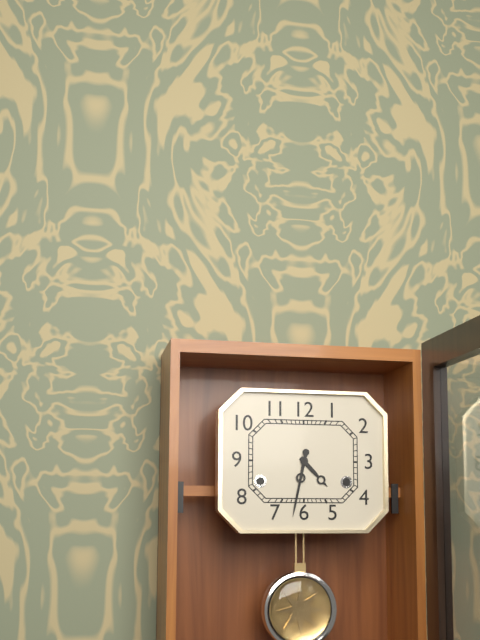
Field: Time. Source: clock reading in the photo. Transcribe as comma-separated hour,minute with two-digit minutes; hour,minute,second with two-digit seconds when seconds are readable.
4,32
